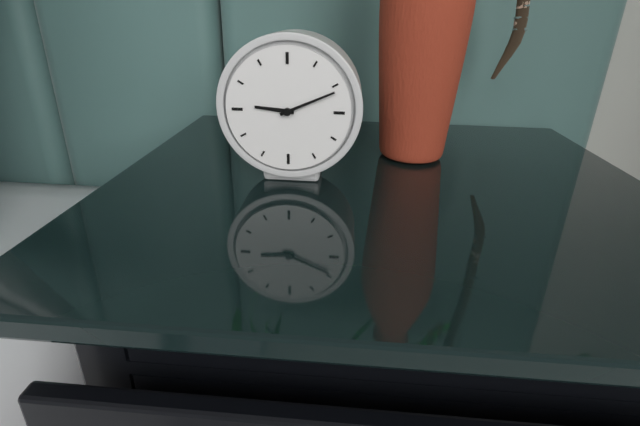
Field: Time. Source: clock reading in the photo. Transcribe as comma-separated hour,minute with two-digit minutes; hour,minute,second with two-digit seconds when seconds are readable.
9,11
